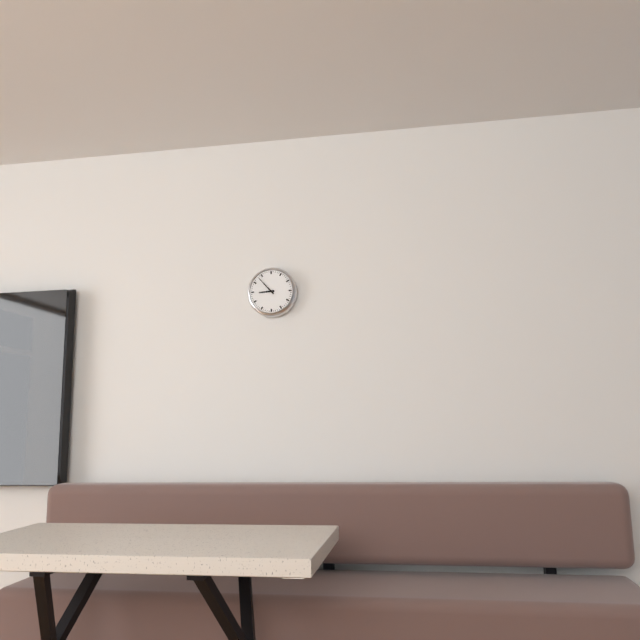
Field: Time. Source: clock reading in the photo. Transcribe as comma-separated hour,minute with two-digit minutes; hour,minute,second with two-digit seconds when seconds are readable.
8,53
